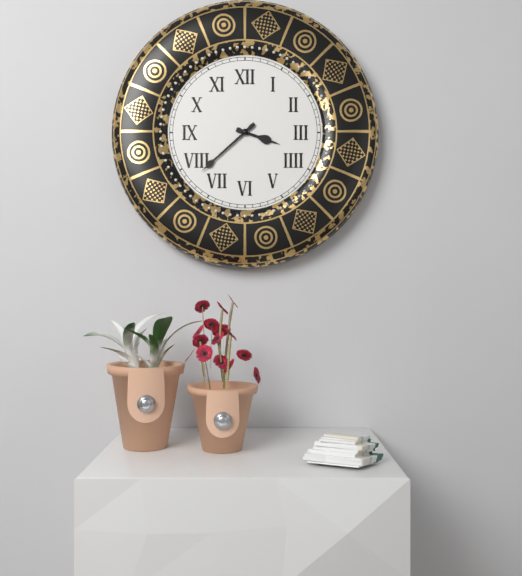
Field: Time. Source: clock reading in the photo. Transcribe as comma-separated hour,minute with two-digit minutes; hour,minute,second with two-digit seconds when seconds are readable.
3,38
